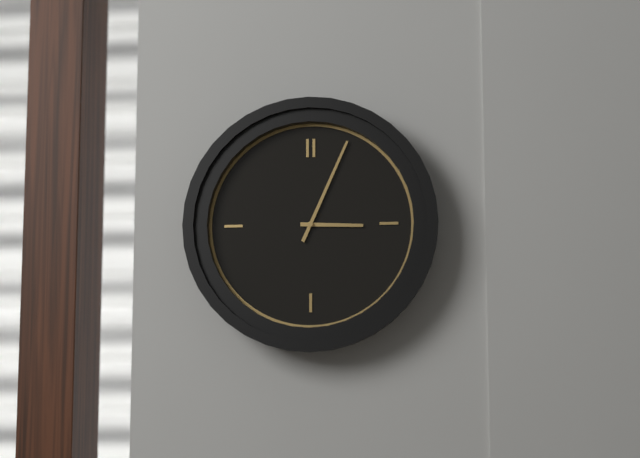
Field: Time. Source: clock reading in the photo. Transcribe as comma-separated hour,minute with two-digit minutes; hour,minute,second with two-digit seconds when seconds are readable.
3,04
